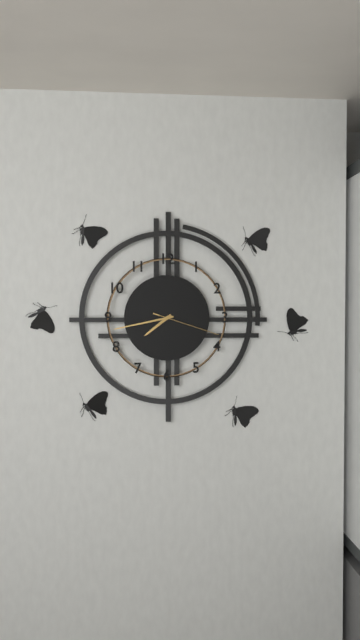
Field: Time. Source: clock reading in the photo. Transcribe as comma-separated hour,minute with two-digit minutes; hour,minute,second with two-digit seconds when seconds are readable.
7,43,18
